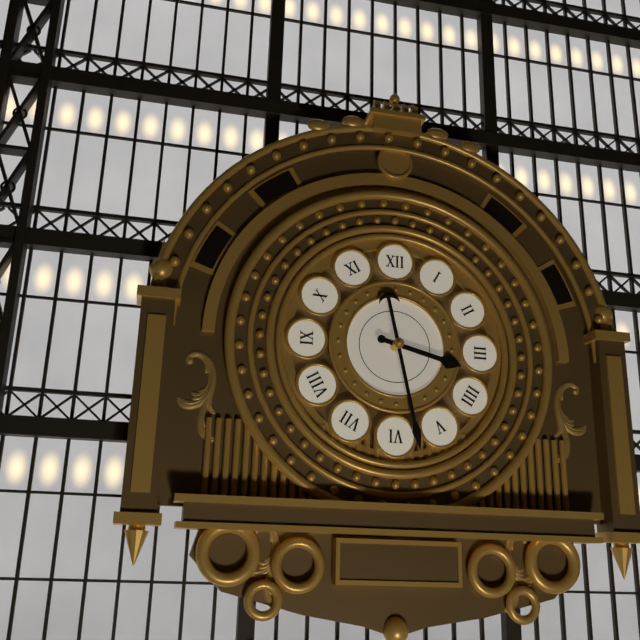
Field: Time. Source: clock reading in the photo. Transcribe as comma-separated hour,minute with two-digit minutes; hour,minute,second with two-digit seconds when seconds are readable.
3,28
